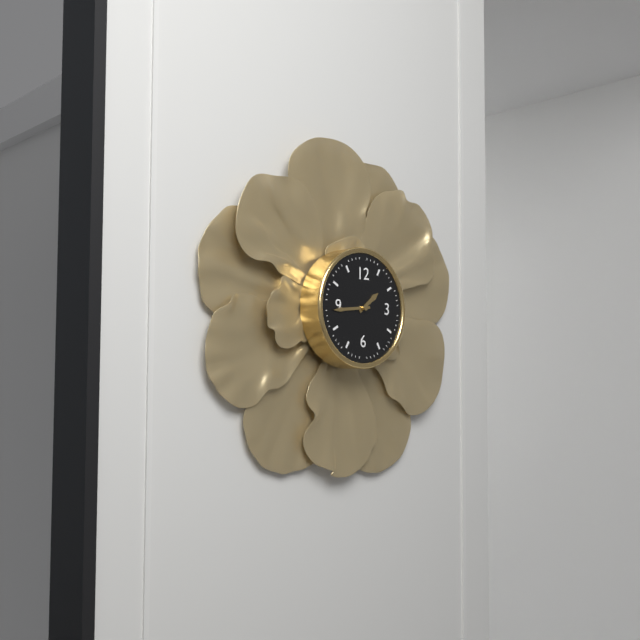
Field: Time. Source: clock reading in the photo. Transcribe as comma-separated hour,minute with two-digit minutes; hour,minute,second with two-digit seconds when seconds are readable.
1,44
